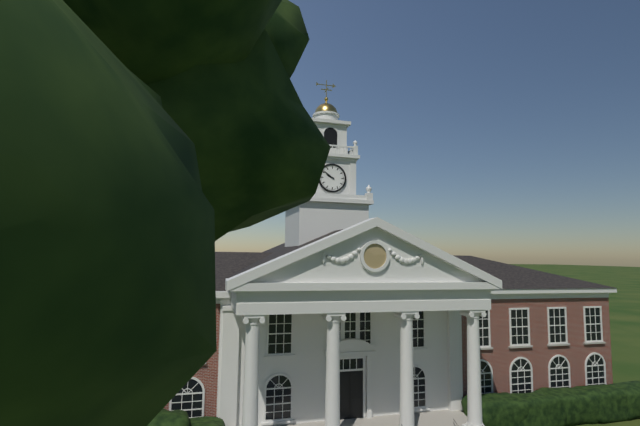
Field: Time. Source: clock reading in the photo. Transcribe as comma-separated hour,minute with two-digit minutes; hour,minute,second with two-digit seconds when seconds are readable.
9,51
